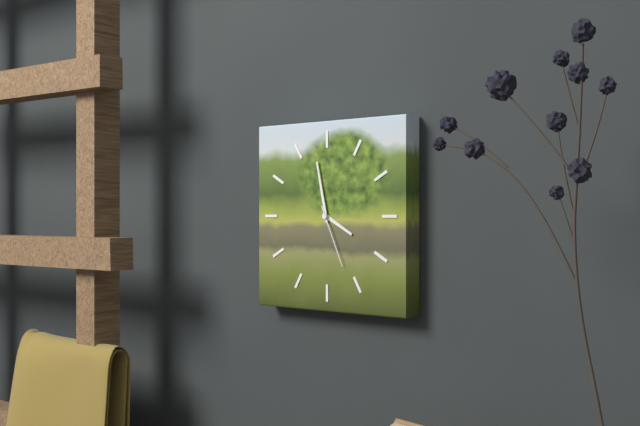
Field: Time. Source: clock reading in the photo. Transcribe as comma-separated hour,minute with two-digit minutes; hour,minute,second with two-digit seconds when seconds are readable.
3,58,26
